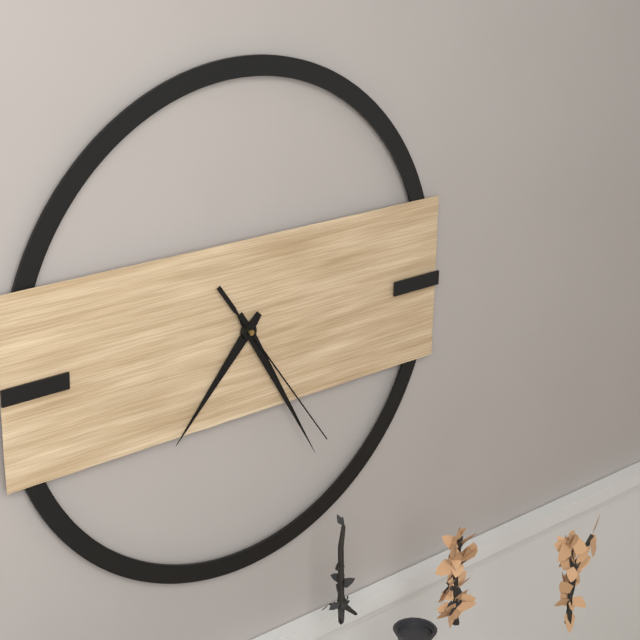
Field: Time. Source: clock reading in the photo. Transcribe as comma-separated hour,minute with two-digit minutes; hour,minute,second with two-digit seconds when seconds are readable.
7,25,24
